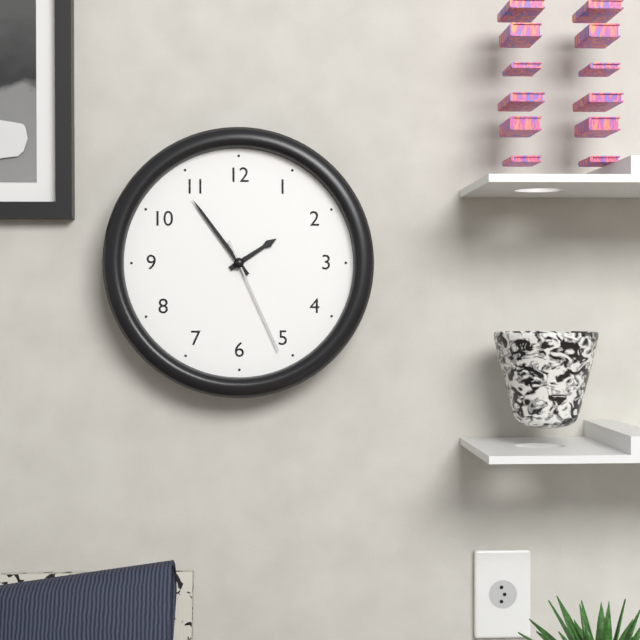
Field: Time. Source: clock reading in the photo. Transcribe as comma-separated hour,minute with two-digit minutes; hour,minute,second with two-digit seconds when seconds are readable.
1,54,26
